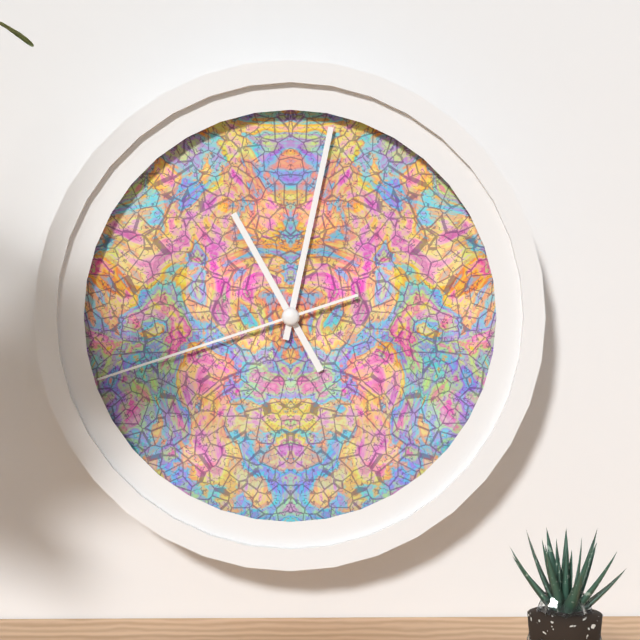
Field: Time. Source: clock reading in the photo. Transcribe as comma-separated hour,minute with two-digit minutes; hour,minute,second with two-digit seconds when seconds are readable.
11,02,42
